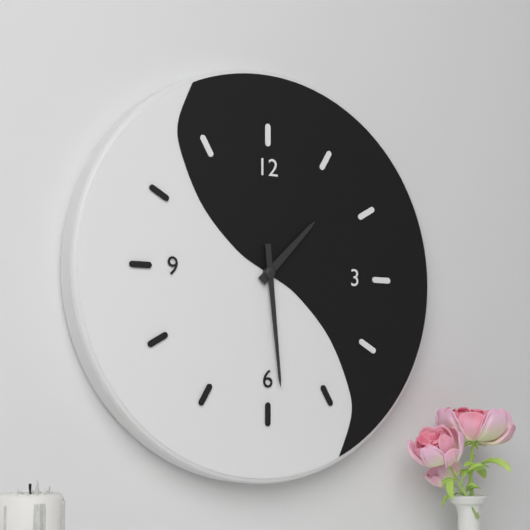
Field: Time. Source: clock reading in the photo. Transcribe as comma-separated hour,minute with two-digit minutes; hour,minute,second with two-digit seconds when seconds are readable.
1,29
